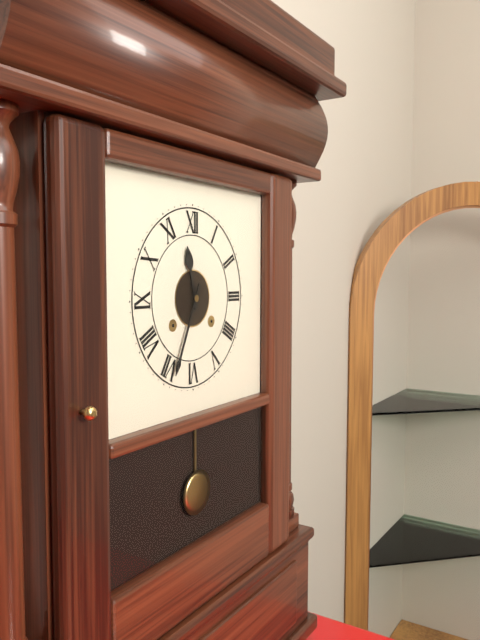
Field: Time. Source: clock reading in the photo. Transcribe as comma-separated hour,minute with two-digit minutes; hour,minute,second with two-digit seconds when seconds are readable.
11,34
